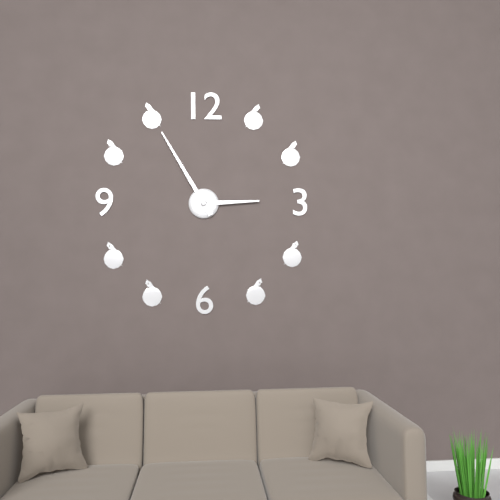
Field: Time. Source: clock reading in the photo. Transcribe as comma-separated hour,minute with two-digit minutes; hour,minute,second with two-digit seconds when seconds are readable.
2,55
